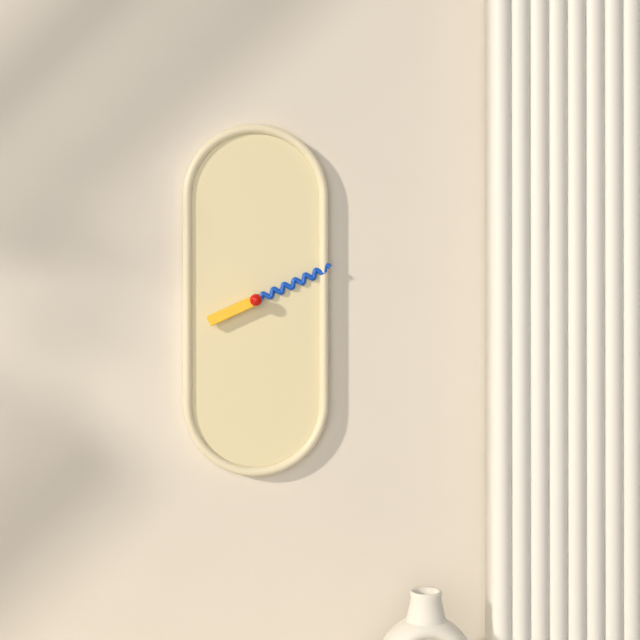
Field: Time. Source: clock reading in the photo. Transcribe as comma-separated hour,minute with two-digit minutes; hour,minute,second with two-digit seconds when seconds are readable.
8,11
